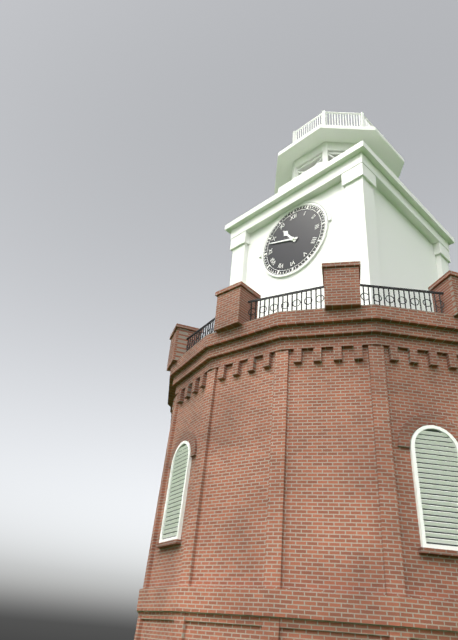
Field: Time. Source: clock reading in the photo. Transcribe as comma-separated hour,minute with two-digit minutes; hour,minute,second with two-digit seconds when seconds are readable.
10,48
